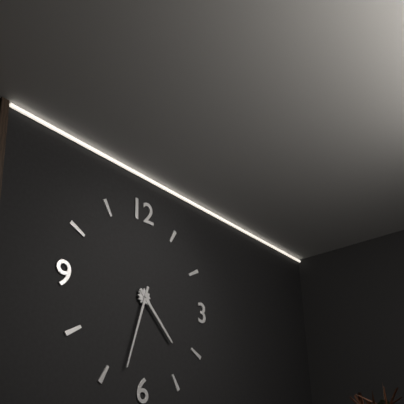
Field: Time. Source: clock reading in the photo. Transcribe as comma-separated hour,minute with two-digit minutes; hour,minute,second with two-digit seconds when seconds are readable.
4,33
